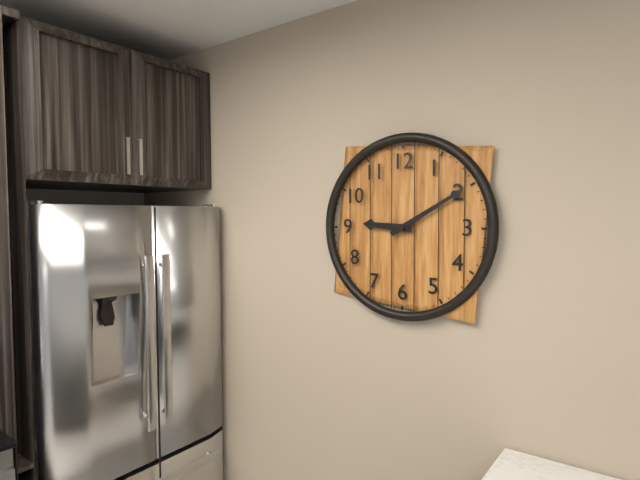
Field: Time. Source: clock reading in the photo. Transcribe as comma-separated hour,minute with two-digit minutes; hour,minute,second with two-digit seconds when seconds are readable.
9,10
